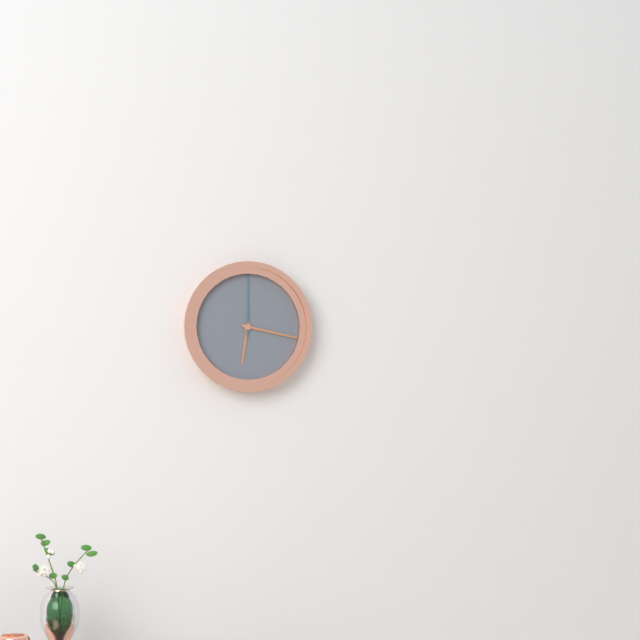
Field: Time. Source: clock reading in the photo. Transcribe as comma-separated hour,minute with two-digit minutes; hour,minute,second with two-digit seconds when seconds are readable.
6,17,00
